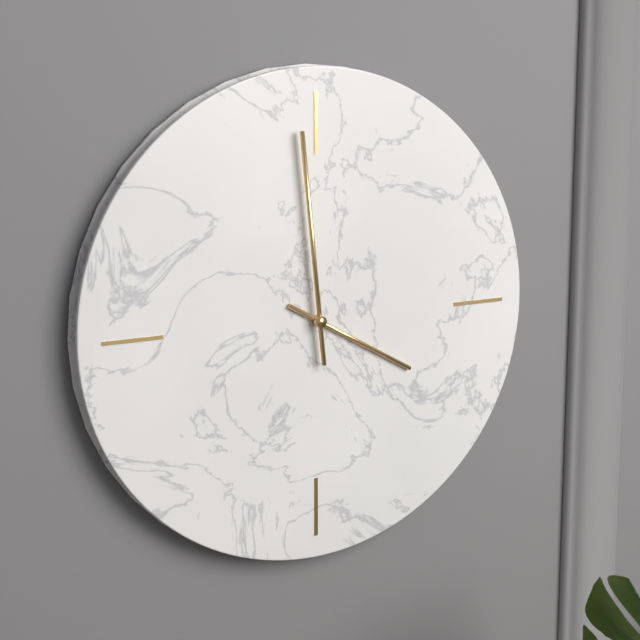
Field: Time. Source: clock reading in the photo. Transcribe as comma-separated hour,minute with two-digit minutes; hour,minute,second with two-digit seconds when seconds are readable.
3,59
